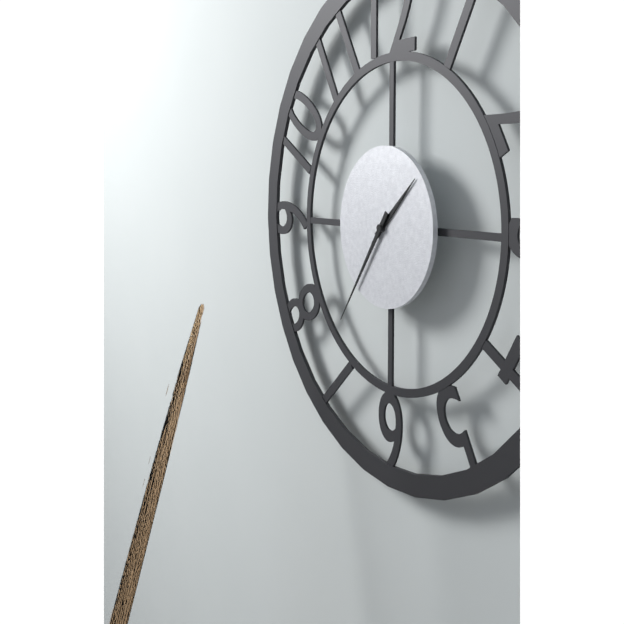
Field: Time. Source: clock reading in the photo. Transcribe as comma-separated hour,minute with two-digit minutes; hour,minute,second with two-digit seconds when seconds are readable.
1,36
